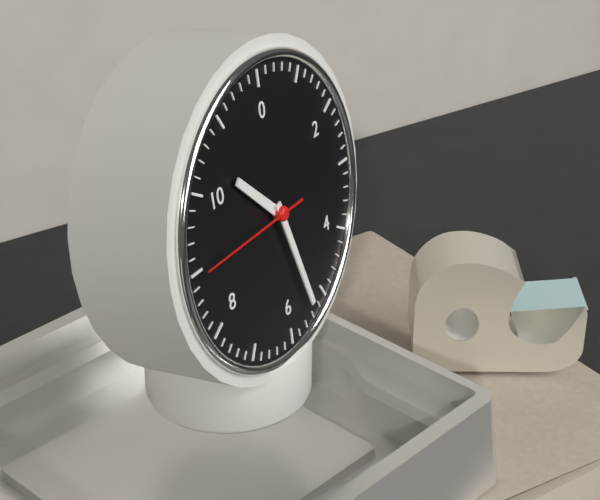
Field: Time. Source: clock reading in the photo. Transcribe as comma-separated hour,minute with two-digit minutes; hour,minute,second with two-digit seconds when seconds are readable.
10,27,45
